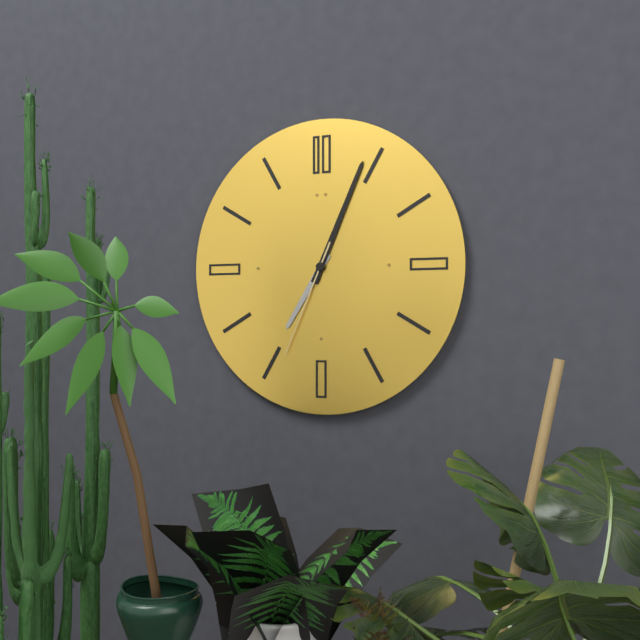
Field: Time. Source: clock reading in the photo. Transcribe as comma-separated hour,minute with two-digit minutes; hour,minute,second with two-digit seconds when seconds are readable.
7,04,34
